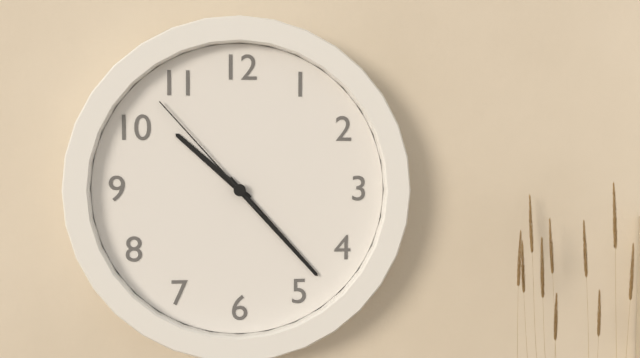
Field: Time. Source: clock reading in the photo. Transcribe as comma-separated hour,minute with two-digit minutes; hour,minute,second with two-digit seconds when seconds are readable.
10,23,53
